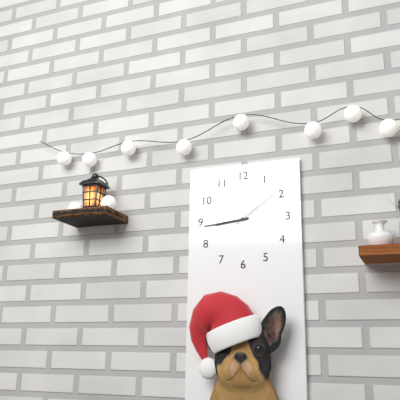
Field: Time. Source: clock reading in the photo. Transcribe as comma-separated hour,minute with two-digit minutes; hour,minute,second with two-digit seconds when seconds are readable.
8,44
